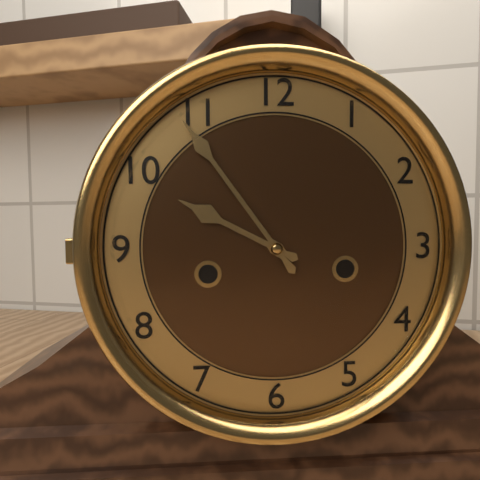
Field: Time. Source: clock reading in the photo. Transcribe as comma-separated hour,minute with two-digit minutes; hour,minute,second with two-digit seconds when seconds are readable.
9,54
